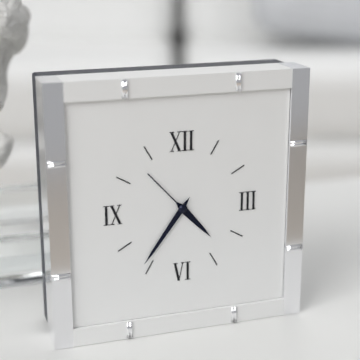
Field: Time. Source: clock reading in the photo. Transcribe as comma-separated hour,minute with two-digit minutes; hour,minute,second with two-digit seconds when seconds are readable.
4,36,53
